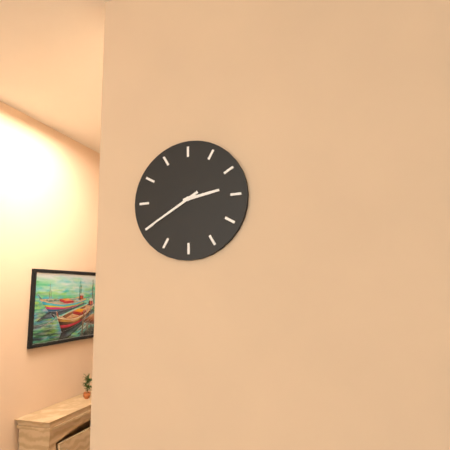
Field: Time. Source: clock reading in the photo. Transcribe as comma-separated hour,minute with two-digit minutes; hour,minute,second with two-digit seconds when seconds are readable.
2,40
